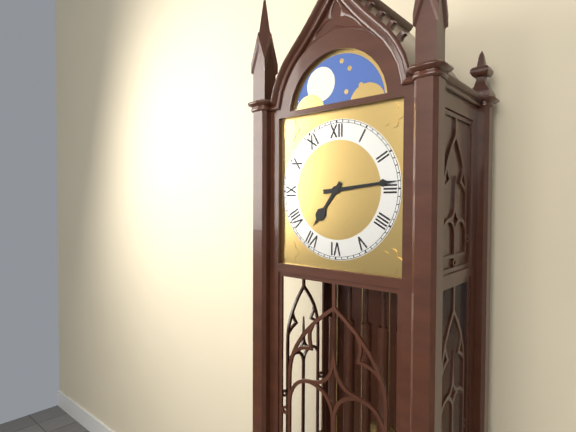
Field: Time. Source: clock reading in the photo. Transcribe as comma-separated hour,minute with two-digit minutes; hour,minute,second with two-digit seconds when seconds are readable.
7,14
